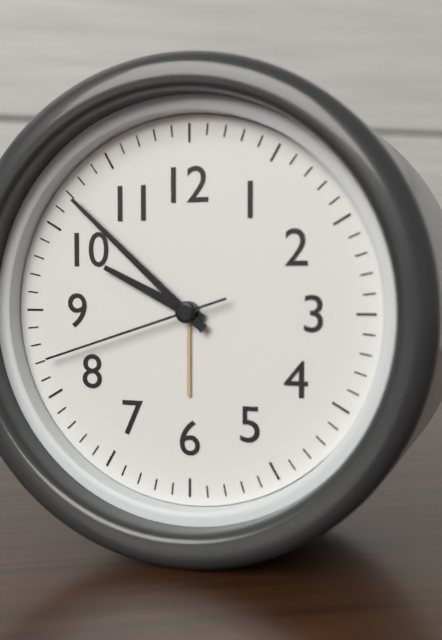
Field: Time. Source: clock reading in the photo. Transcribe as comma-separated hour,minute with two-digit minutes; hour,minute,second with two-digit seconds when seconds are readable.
9,52,42
